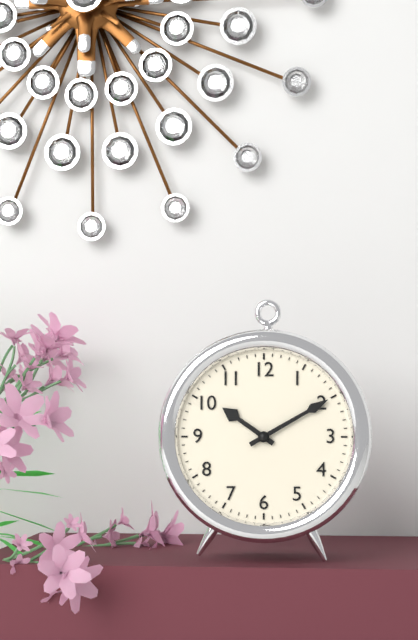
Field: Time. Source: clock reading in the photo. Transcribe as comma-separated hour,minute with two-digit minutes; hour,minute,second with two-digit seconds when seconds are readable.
10,10
